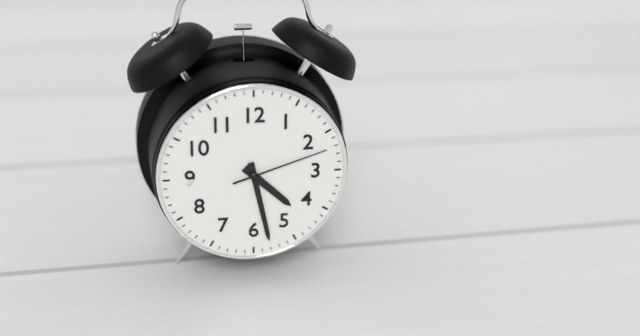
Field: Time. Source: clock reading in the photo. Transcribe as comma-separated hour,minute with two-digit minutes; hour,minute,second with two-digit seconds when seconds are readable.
4,28,12
